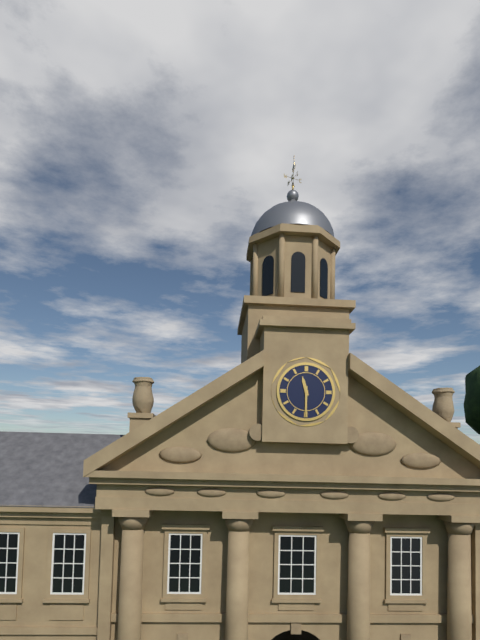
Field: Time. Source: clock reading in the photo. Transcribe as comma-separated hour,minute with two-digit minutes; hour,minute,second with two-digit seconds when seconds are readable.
11,30
